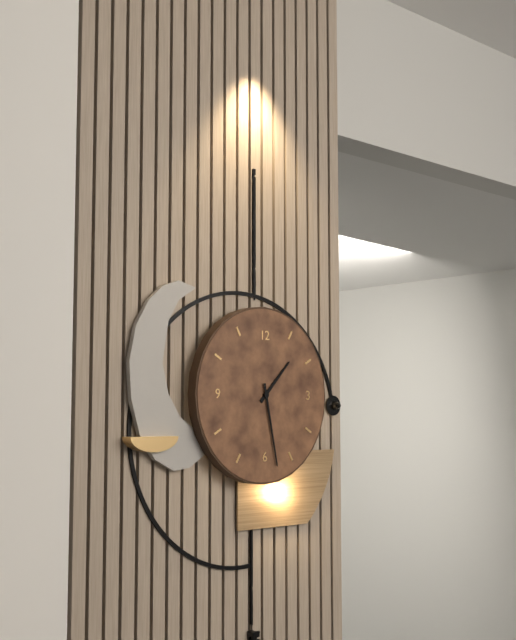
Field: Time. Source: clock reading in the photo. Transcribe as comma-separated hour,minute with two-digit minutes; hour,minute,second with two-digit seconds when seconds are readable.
1,28
